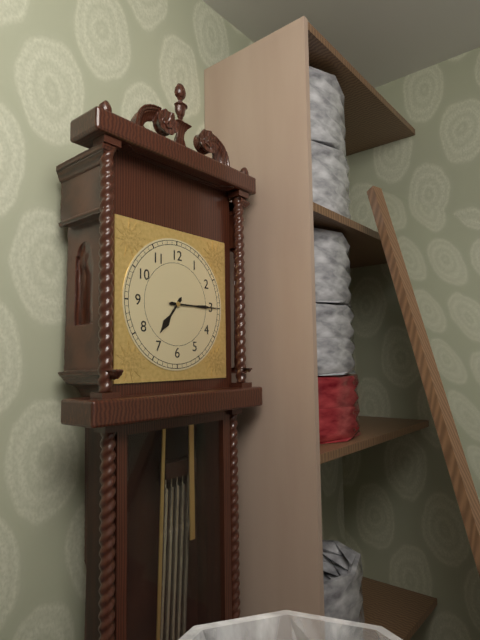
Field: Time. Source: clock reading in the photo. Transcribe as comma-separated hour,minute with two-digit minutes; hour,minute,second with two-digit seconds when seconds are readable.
7,15
